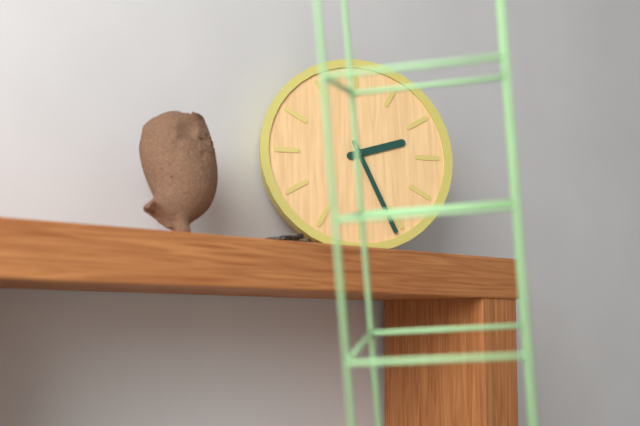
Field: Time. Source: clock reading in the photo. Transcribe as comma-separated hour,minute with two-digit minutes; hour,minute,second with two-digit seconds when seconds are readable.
2,26
